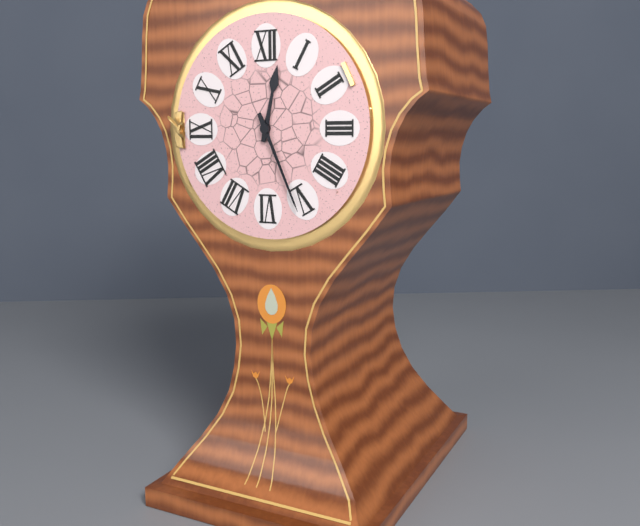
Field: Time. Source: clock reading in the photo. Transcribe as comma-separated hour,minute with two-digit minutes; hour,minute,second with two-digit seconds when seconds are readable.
12,26
